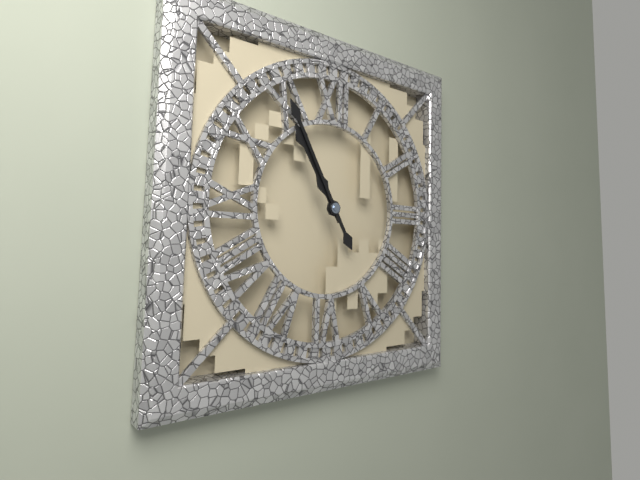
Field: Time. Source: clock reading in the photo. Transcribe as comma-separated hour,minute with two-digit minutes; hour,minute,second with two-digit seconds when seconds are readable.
10,55
